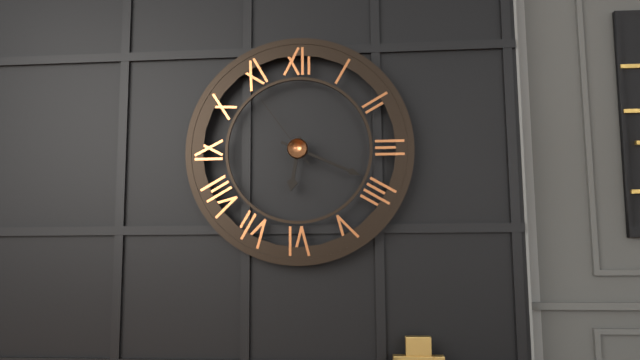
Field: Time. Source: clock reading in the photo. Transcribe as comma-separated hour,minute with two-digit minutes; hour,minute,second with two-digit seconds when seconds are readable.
6,19,54
